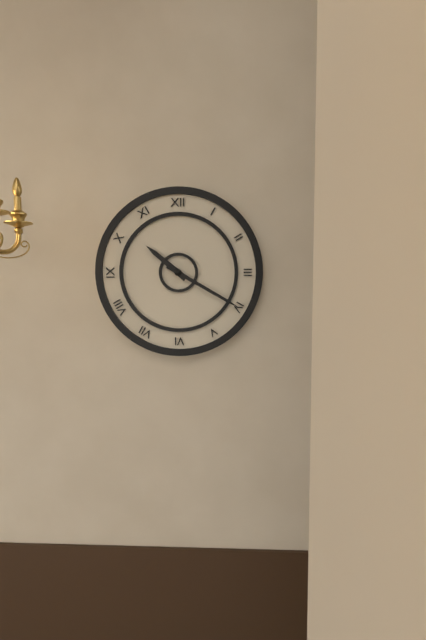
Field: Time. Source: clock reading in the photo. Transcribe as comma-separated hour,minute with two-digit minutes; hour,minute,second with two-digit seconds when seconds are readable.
10,20
